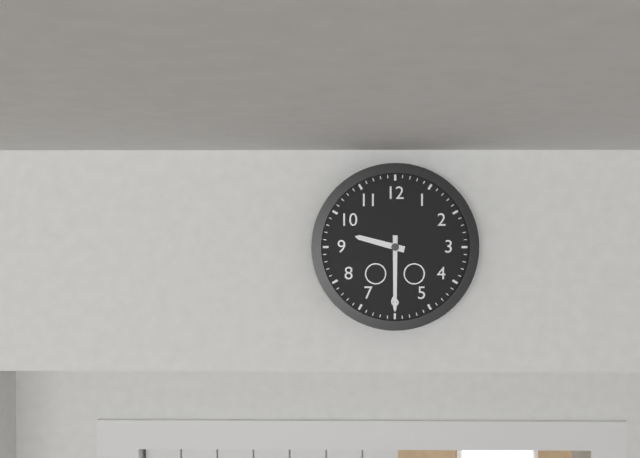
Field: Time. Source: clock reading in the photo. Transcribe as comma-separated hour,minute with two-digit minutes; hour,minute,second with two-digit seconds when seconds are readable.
9,30
